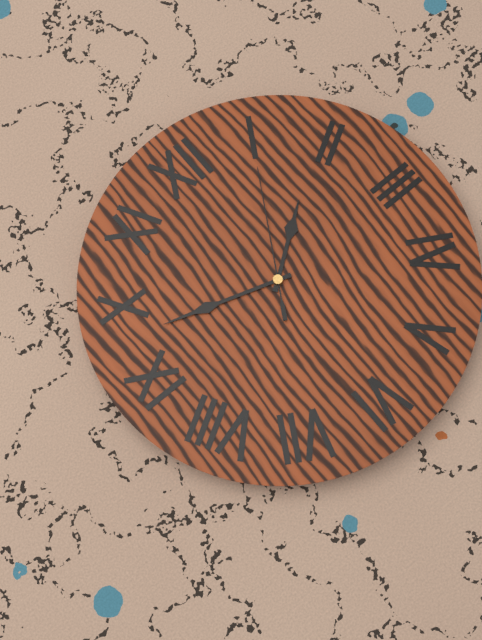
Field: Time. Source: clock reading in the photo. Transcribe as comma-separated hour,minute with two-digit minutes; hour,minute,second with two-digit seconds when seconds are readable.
1,48,05
